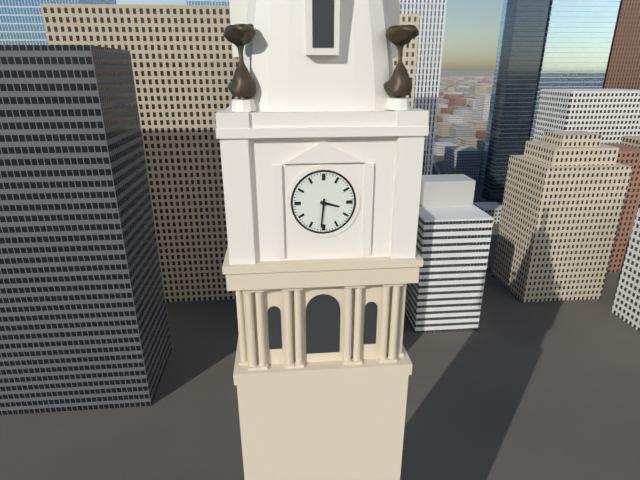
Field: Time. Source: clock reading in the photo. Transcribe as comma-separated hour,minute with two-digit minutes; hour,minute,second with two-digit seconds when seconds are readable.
3,31
